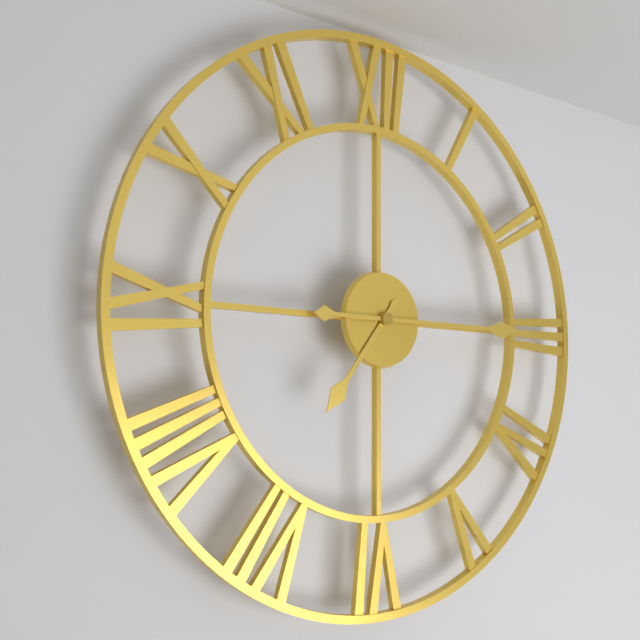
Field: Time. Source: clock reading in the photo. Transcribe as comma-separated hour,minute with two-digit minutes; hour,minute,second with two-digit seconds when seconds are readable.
7,15
